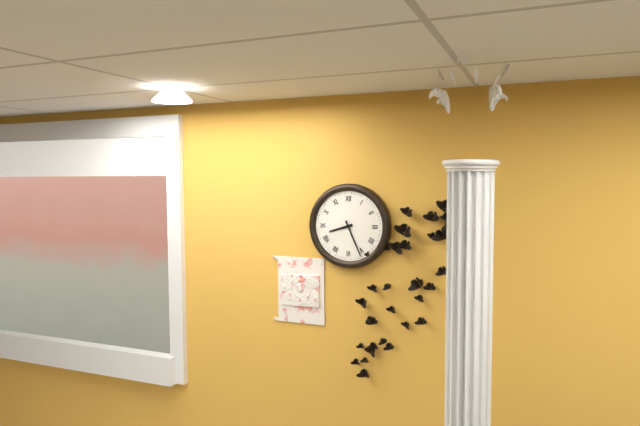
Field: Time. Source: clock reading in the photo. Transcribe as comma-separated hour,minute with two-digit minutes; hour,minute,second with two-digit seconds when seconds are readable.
8,26
